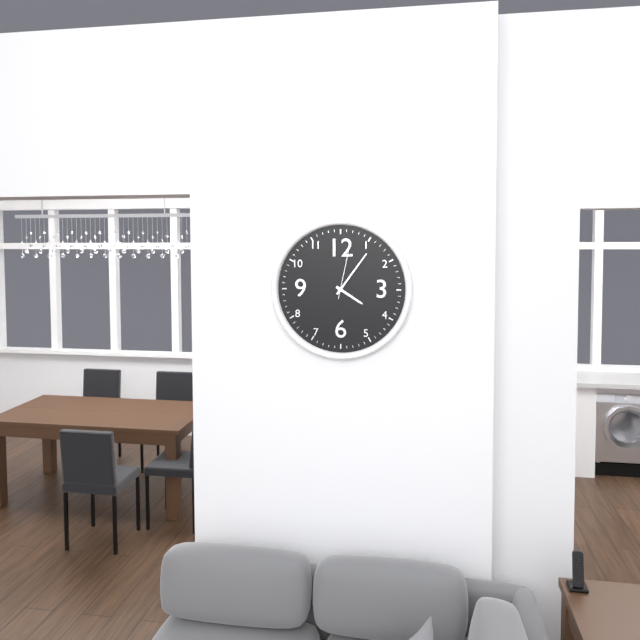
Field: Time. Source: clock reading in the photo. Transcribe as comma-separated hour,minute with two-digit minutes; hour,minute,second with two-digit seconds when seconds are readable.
4,06,02
